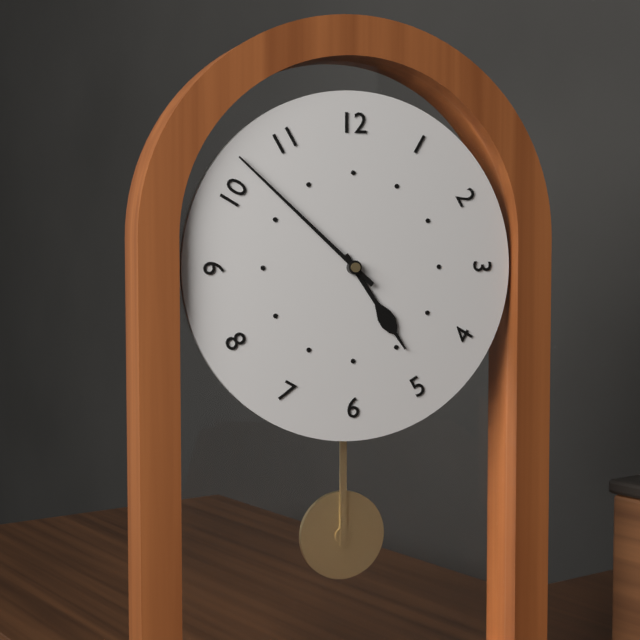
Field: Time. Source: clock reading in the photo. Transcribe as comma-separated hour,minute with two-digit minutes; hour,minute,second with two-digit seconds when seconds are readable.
4,52
